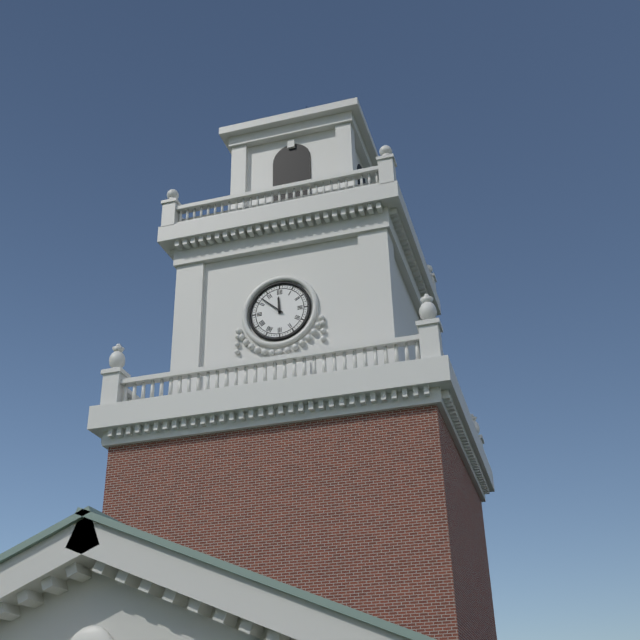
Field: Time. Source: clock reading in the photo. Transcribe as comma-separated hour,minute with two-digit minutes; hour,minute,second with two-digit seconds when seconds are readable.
11,52
